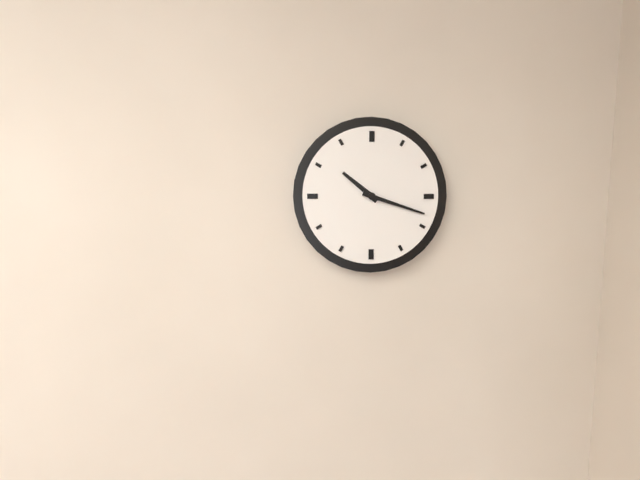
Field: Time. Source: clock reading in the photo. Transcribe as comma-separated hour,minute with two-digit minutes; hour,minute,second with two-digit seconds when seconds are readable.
10,18
